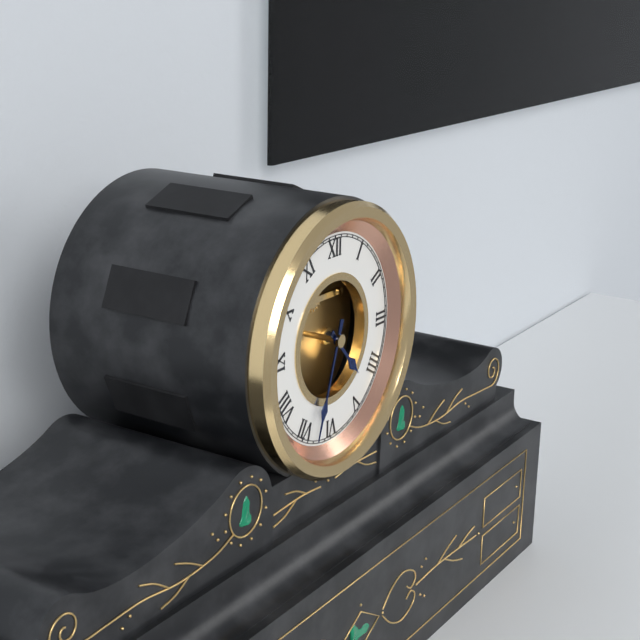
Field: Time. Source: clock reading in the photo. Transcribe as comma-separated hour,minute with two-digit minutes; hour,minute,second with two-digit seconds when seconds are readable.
4,33
